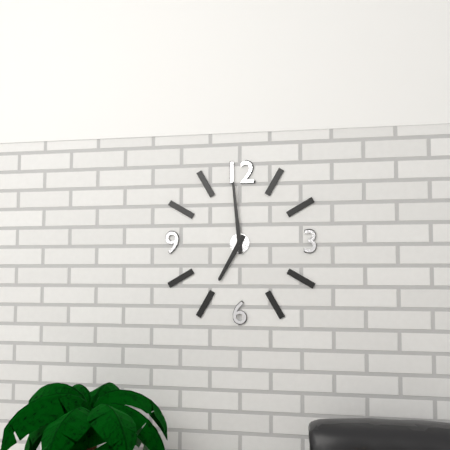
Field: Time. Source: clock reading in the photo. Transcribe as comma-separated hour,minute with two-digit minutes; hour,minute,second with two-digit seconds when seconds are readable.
6,59
